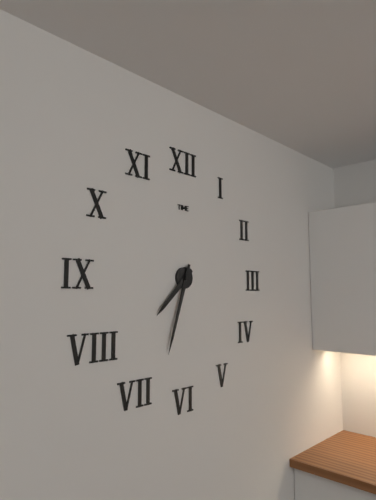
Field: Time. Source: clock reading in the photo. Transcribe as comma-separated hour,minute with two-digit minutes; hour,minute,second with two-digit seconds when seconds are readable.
7,33
